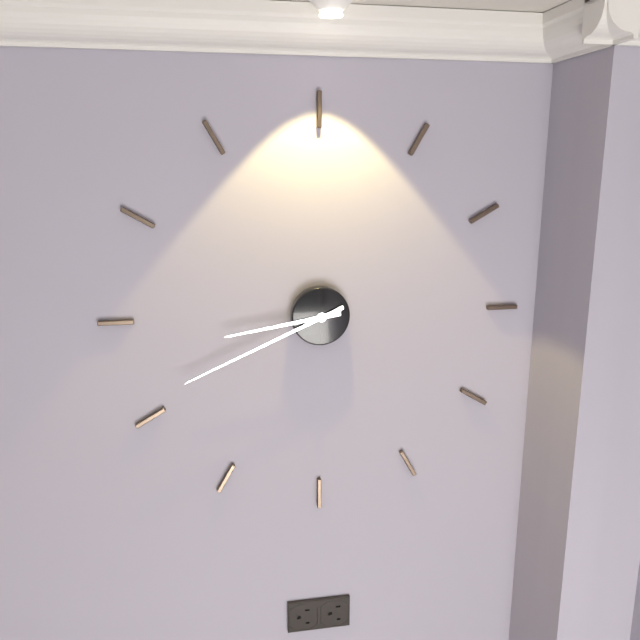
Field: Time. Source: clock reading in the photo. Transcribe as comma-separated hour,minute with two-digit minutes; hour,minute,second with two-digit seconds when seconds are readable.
8,41
